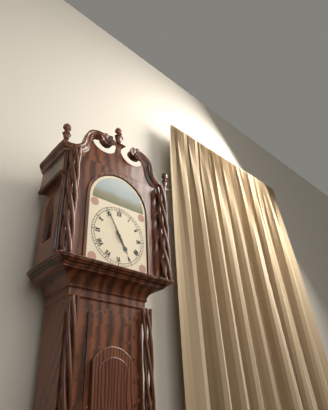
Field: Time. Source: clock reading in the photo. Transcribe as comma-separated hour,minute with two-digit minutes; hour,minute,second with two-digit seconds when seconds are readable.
4,55
